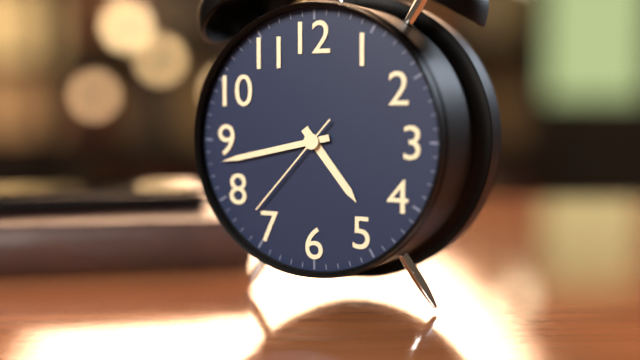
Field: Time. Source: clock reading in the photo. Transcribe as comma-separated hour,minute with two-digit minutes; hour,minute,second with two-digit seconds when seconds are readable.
4,43,37
